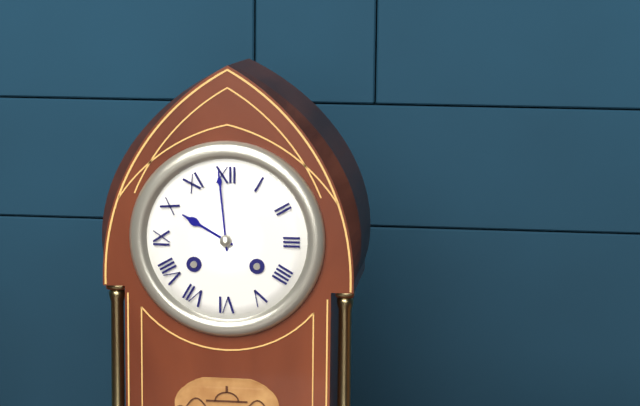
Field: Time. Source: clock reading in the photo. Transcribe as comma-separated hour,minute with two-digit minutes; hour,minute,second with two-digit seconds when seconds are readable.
9,59
